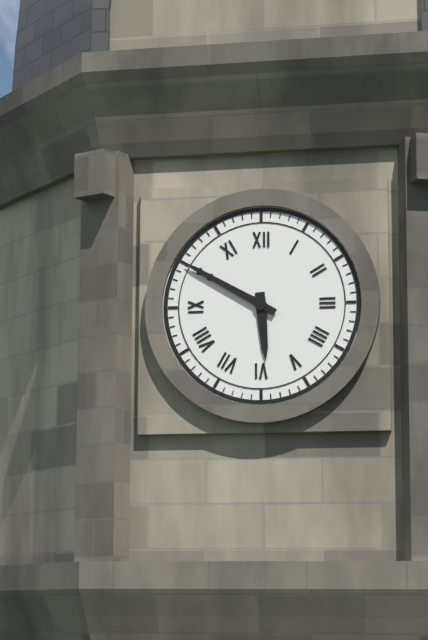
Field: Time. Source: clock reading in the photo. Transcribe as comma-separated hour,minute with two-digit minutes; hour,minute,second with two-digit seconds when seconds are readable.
5,50
